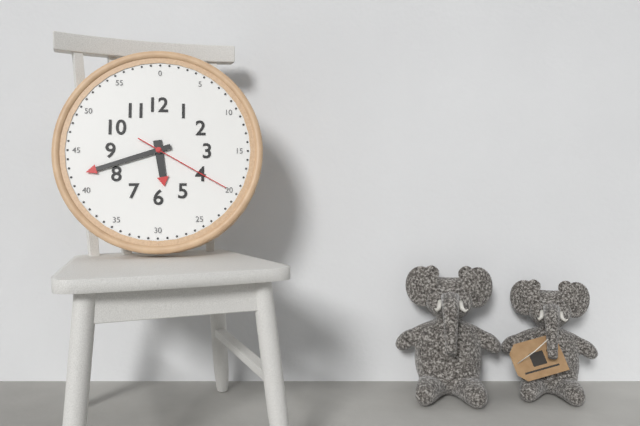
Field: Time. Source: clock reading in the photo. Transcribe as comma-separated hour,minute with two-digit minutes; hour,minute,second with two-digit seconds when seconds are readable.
5,42,20
